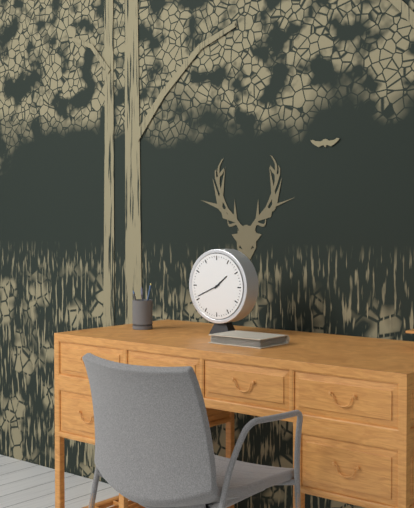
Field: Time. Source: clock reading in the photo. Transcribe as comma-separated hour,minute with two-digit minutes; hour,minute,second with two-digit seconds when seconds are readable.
1,41
